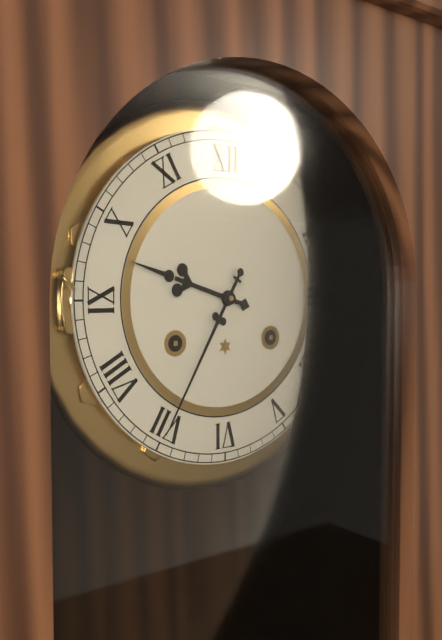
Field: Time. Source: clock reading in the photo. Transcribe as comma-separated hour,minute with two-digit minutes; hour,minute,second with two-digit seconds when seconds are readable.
9,35
